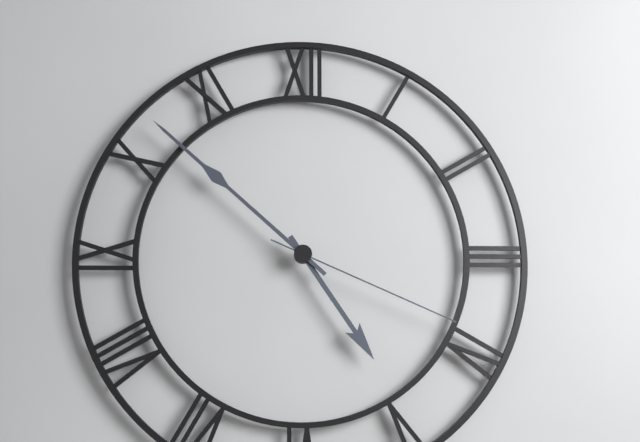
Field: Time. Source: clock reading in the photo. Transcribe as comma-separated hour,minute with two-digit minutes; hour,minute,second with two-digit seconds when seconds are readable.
4,52,19
